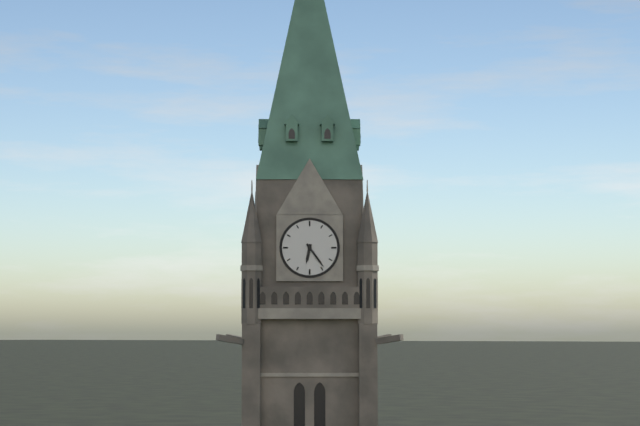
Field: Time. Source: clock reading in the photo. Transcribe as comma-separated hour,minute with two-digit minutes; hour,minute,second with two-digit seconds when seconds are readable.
6,24
